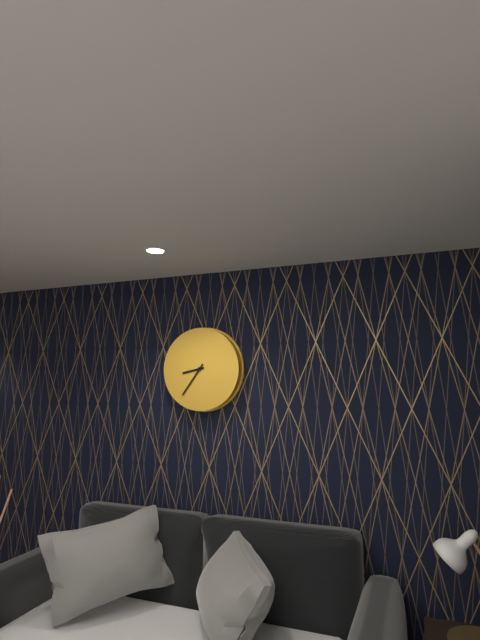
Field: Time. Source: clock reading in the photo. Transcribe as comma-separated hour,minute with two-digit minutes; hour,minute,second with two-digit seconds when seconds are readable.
8,36
